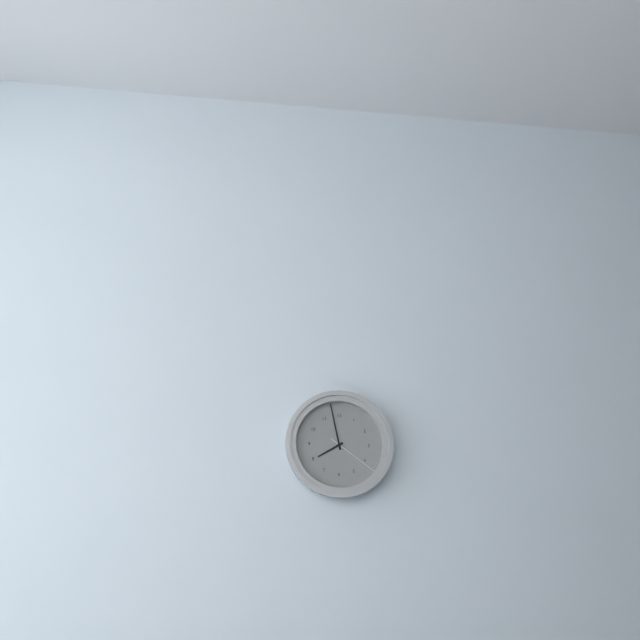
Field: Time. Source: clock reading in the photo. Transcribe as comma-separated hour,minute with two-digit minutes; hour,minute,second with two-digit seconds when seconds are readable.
7,58,21
